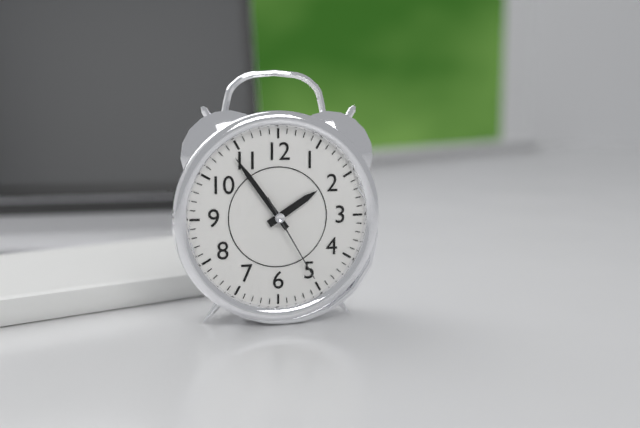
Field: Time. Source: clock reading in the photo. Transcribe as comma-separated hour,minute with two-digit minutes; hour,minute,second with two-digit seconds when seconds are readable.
1,54,25
